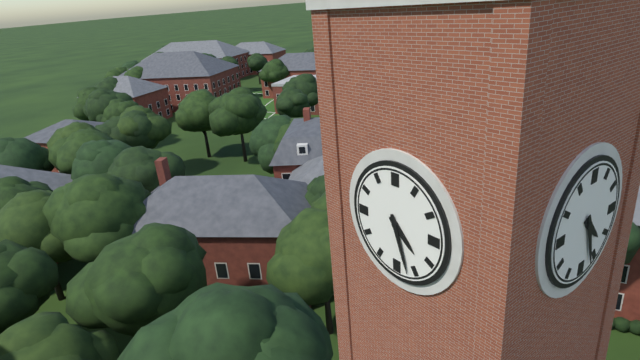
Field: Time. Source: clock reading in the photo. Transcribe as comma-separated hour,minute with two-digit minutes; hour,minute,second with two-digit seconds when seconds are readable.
4,27
